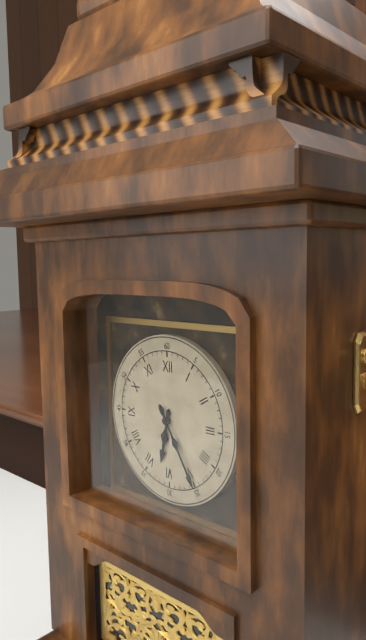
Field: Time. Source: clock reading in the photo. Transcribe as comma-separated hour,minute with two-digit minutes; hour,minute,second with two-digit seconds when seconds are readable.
6,25
